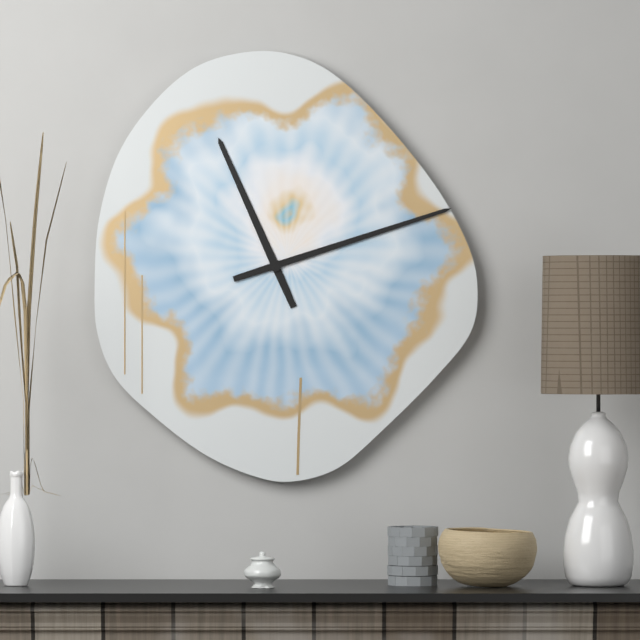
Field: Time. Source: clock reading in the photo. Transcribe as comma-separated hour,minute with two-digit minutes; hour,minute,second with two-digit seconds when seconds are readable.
11,12
